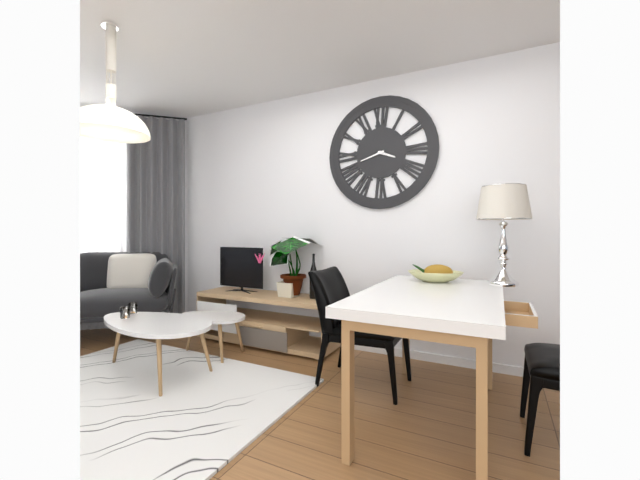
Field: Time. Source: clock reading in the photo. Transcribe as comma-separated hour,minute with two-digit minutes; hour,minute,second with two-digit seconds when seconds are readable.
3,42
